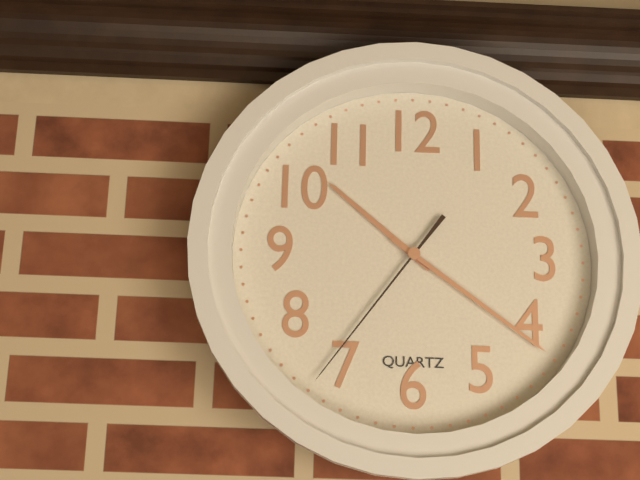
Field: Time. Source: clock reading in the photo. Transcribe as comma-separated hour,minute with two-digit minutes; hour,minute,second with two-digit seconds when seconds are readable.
10,21,36
